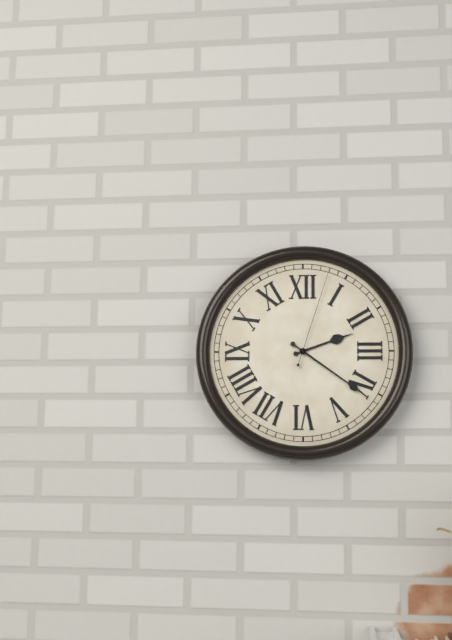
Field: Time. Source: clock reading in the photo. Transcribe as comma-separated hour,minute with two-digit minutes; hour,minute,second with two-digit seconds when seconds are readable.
2,21,03
